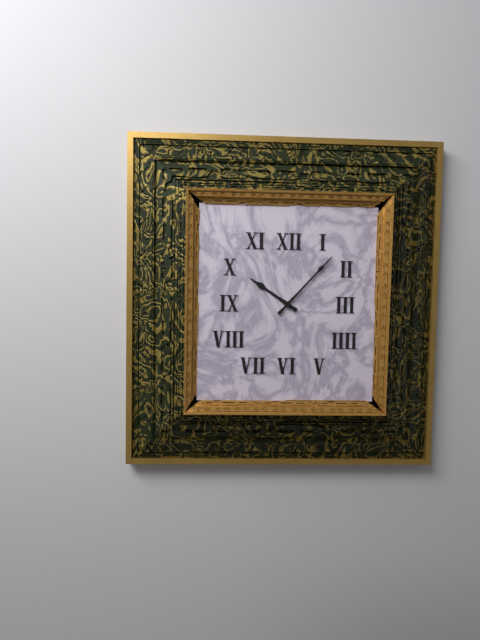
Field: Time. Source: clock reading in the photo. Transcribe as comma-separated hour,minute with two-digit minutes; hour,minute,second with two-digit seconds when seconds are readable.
10,07
